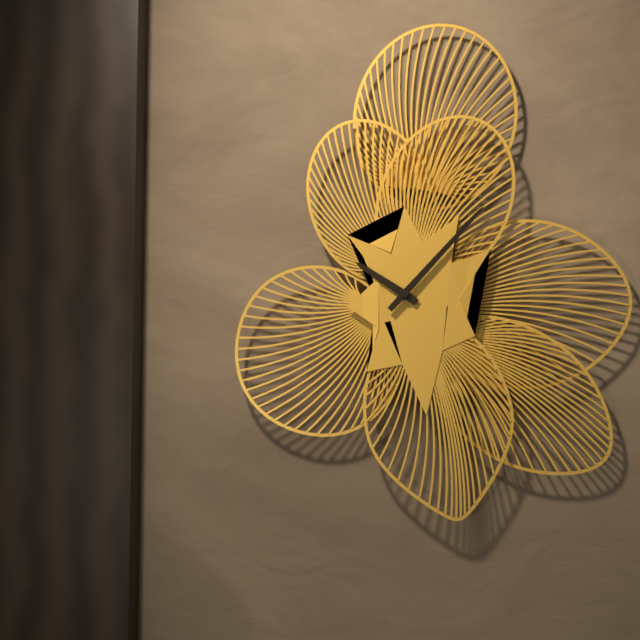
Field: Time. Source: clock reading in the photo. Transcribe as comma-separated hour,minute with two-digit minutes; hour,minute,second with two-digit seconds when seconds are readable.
10,07
